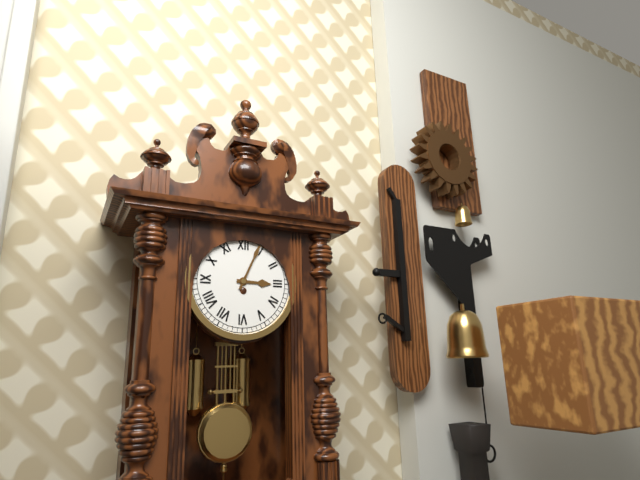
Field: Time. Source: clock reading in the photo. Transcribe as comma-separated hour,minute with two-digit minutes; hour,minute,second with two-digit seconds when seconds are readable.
3,04
